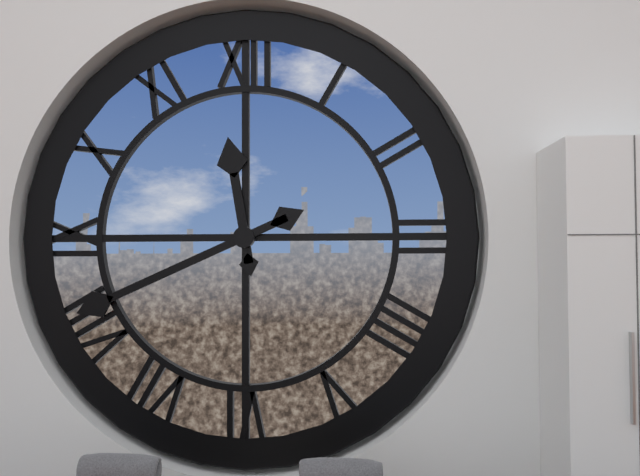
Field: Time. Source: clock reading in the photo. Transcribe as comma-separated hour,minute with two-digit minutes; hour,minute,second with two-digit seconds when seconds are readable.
11,41
